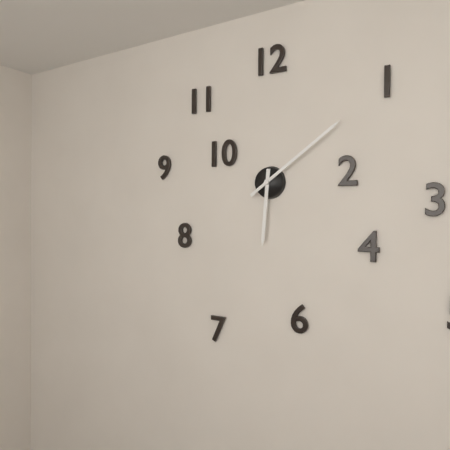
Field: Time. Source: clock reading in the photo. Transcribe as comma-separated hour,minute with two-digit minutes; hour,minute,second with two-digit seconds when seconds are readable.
6,09
